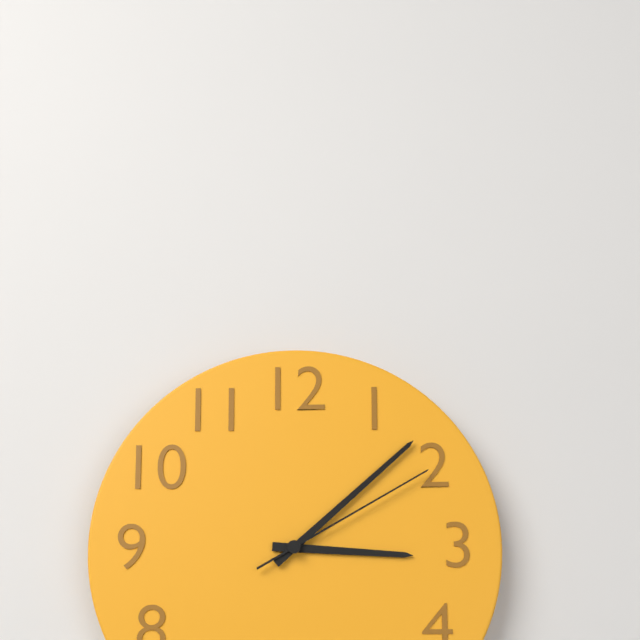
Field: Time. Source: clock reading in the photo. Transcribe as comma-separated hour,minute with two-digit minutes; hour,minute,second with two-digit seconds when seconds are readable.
3,08,10
